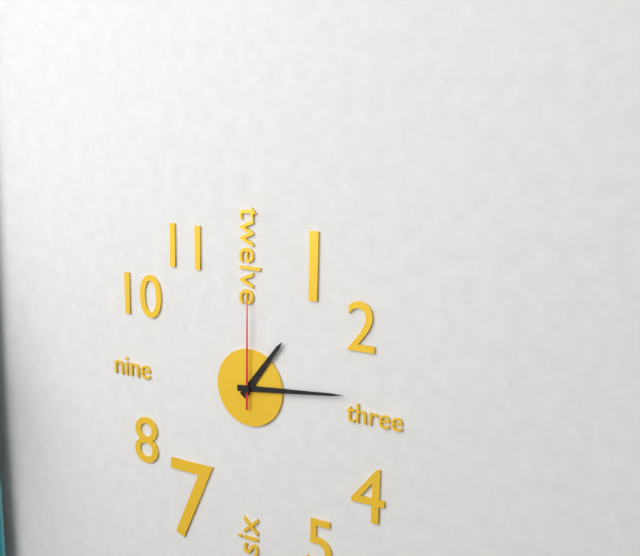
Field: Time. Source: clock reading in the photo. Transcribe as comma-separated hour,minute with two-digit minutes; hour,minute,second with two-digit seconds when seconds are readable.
1,14,00
